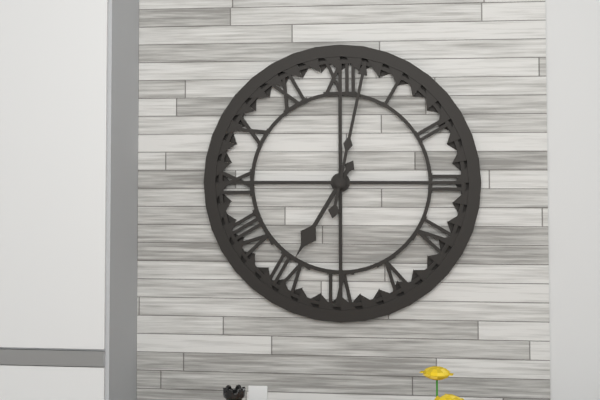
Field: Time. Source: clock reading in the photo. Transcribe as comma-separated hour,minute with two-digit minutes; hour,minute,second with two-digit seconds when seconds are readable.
7,02
